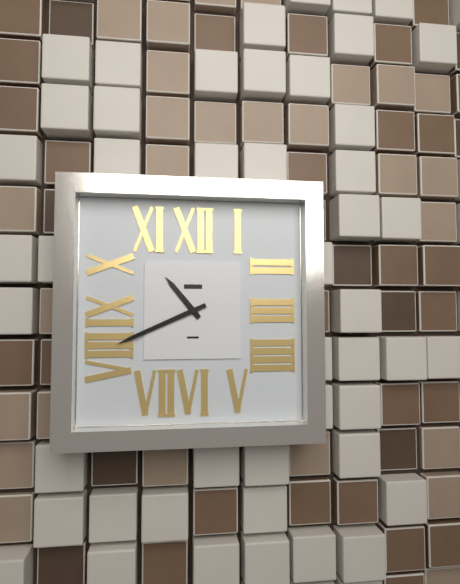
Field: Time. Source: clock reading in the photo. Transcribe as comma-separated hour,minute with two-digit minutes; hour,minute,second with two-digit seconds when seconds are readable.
10,41
